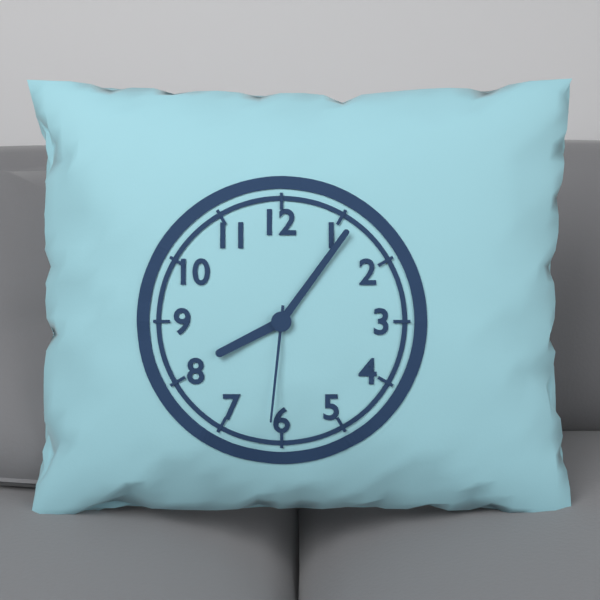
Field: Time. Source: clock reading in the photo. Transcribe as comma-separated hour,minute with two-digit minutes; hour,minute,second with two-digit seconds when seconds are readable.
8,06,31
